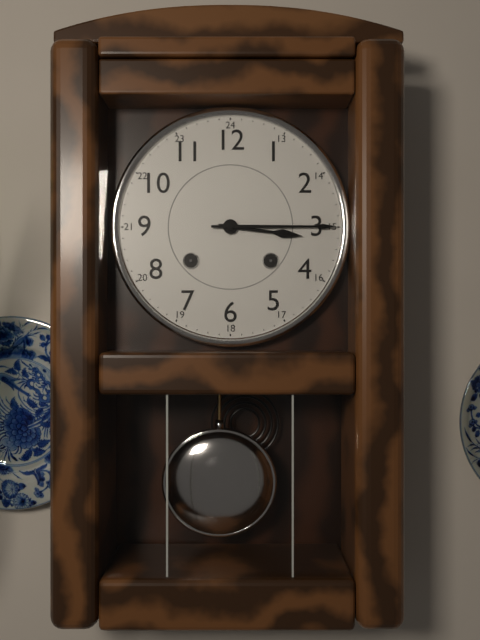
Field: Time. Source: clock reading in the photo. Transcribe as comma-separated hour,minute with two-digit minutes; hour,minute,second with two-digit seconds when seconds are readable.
3,15
